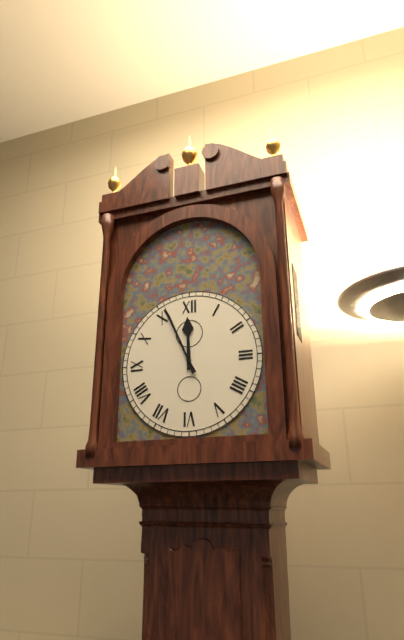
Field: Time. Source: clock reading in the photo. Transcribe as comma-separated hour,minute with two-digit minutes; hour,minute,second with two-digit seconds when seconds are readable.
11,56
